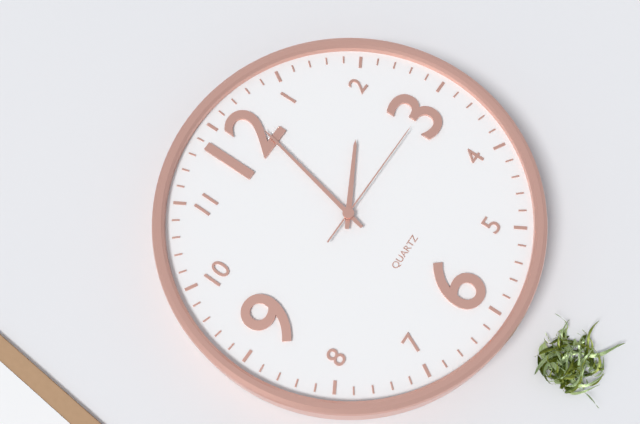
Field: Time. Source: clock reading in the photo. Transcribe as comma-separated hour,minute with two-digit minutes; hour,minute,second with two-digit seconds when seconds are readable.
2,02,15
